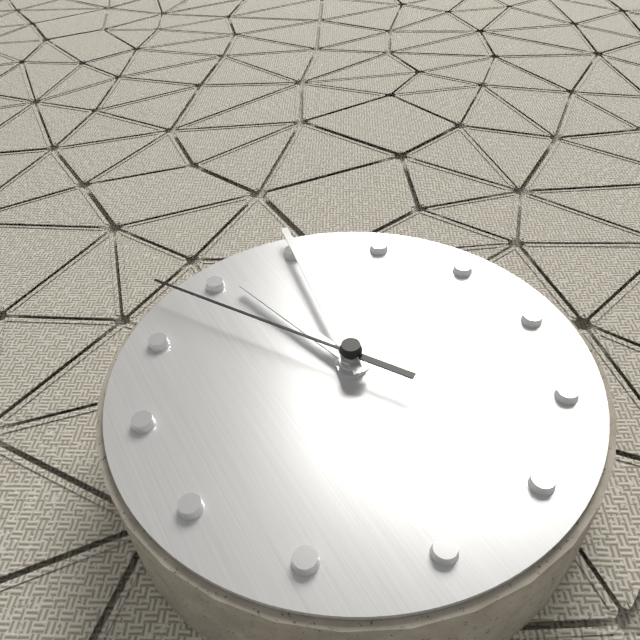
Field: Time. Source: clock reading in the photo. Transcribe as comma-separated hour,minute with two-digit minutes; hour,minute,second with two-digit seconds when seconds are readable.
1,10,03
